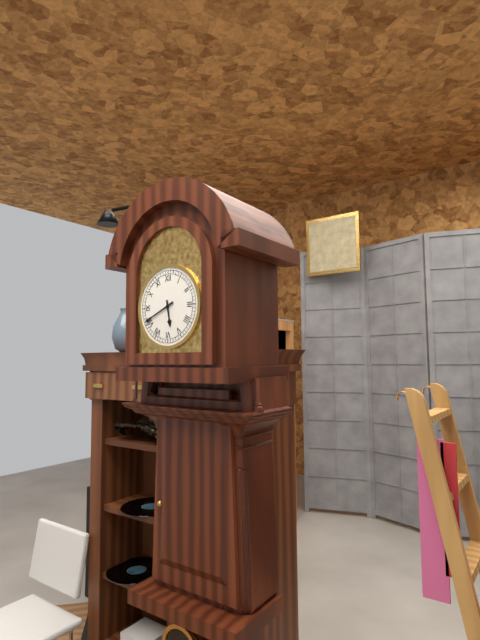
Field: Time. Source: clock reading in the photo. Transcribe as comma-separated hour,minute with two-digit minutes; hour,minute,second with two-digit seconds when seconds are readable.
5,41
